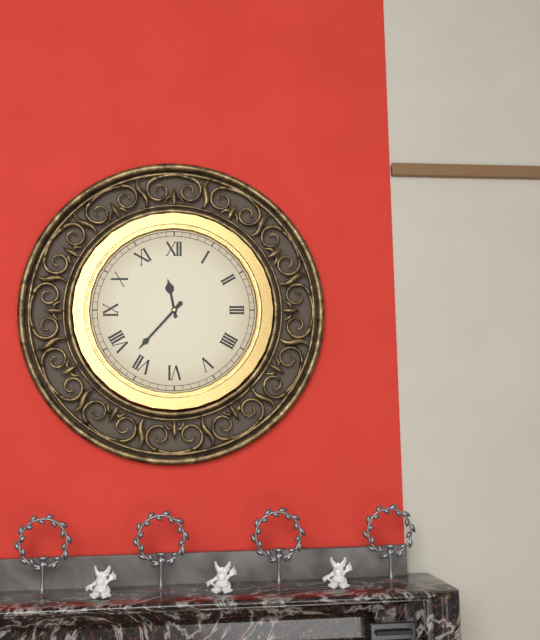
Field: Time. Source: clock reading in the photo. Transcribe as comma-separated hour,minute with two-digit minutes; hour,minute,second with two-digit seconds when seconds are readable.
11,37
